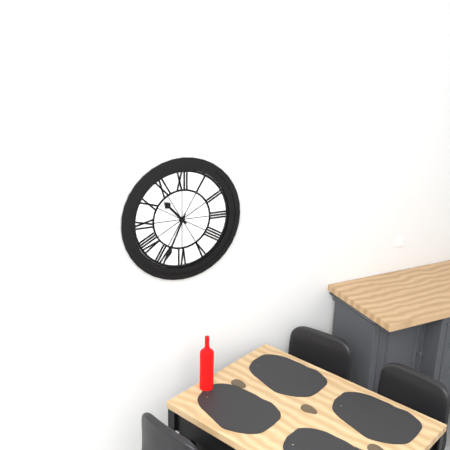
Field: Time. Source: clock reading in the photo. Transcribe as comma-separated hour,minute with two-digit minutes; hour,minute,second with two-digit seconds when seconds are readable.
10,34
